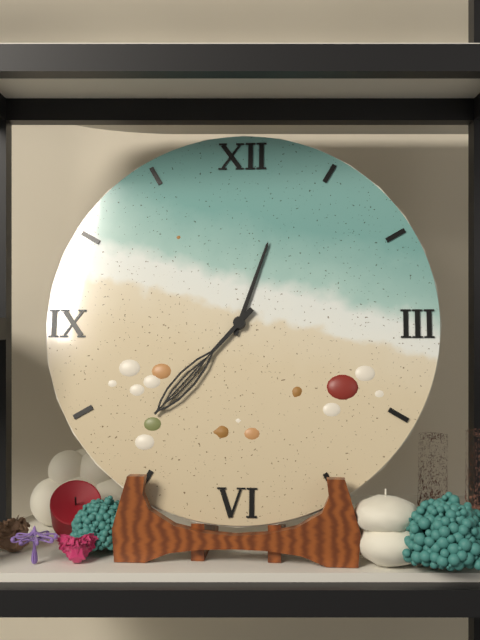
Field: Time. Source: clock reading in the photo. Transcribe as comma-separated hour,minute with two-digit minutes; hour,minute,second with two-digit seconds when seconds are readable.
12,37
